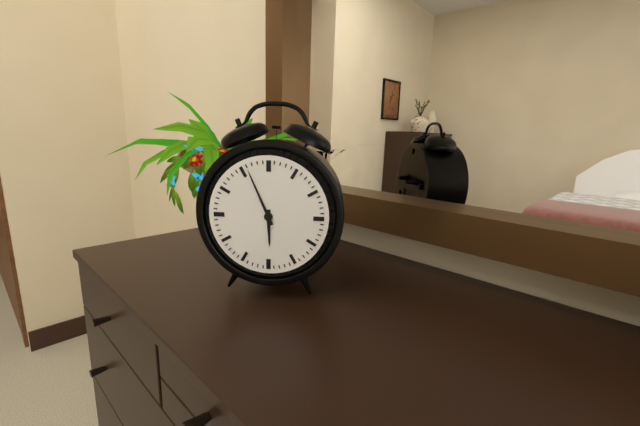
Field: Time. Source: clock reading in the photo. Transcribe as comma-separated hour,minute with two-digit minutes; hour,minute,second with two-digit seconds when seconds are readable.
5,56
